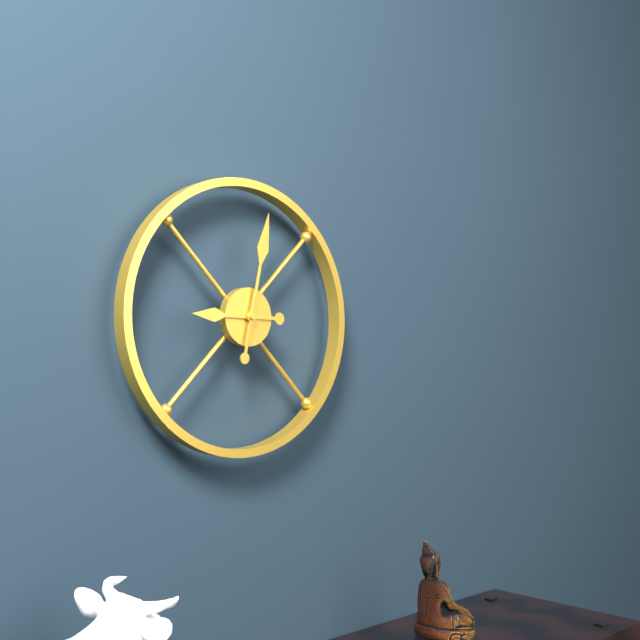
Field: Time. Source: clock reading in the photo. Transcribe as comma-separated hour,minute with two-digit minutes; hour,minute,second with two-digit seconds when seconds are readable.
9,02
